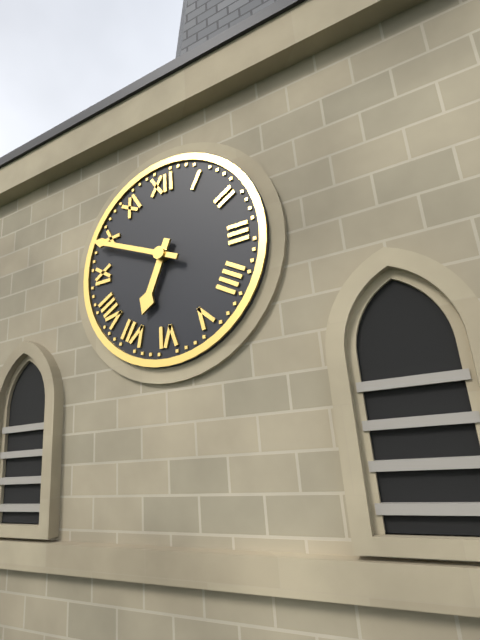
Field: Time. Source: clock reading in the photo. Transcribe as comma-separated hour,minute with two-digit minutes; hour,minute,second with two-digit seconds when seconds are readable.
6,49
